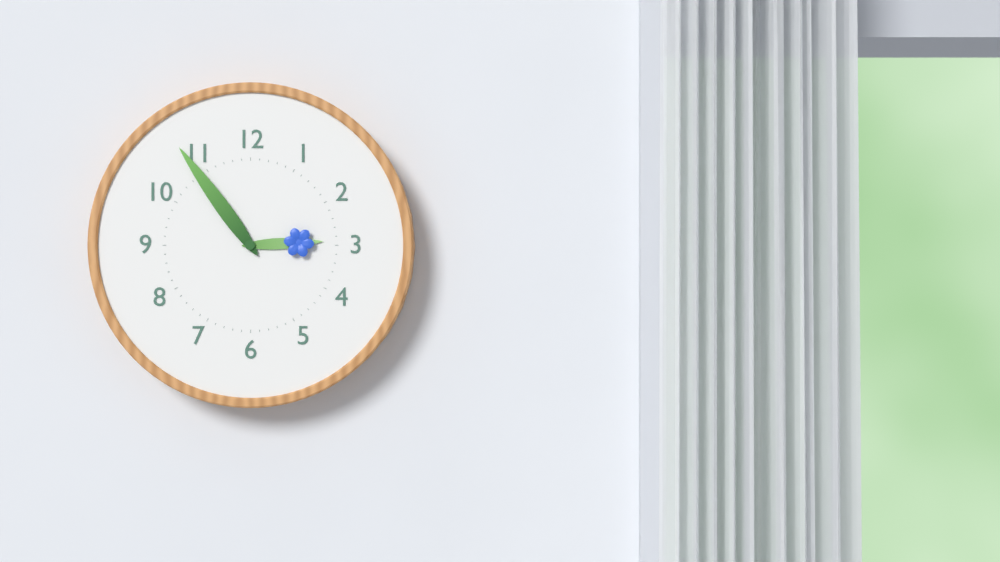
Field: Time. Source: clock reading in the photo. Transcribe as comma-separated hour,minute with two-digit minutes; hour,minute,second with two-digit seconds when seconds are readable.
2,54
